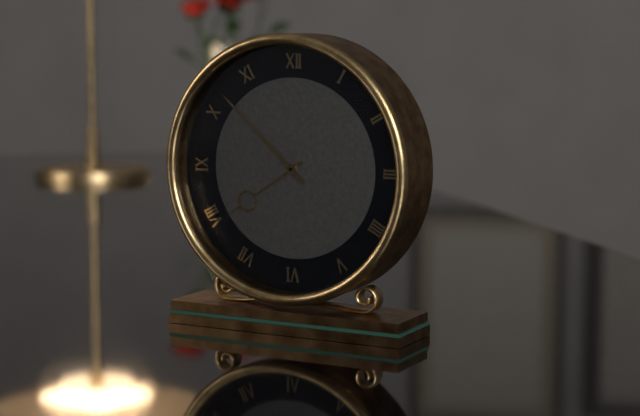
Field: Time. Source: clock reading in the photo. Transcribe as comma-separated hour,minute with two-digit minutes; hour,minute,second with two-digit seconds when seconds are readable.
7,52
